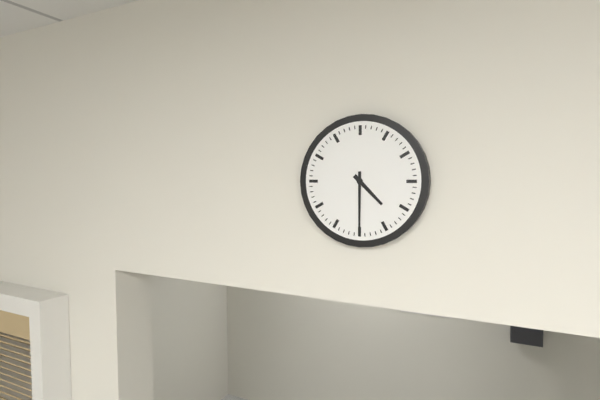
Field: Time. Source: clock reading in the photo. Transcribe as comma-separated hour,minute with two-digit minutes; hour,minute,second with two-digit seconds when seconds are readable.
4,30
